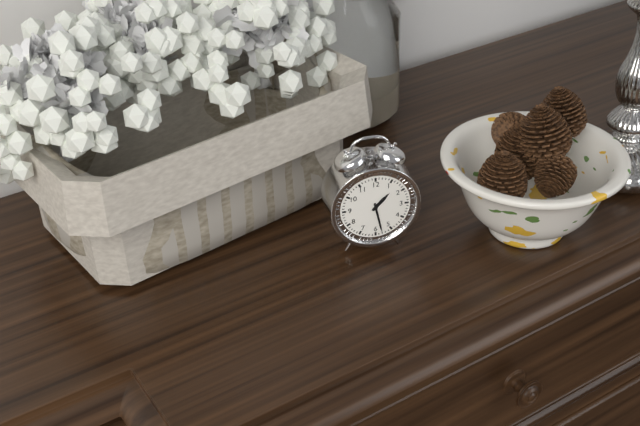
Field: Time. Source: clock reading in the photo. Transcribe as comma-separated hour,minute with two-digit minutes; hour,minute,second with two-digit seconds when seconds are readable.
1,28
